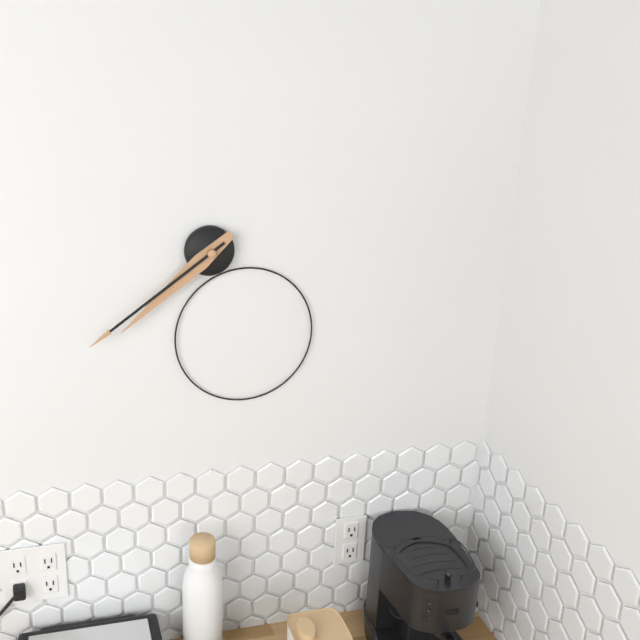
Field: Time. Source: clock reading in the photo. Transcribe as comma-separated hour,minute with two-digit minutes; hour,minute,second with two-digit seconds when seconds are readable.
7,39
